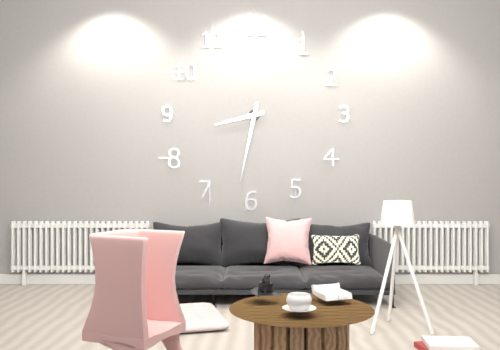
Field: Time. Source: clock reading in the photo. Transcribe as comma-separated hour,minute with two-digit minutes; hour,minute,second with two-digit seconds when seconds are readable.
8,32
